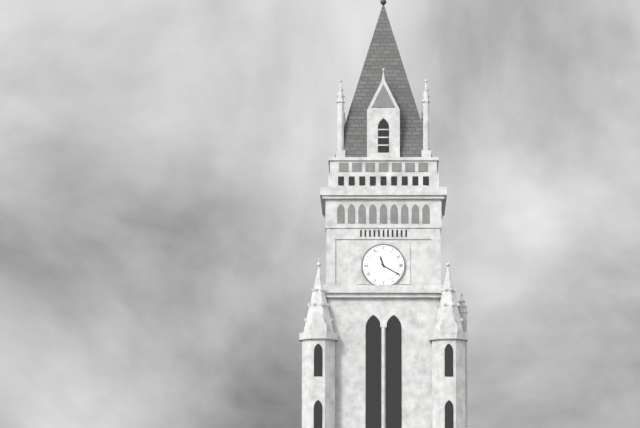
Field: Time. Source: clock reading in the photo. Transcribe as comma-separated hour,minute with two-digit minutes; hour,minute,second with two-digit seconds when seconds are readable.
11,20
